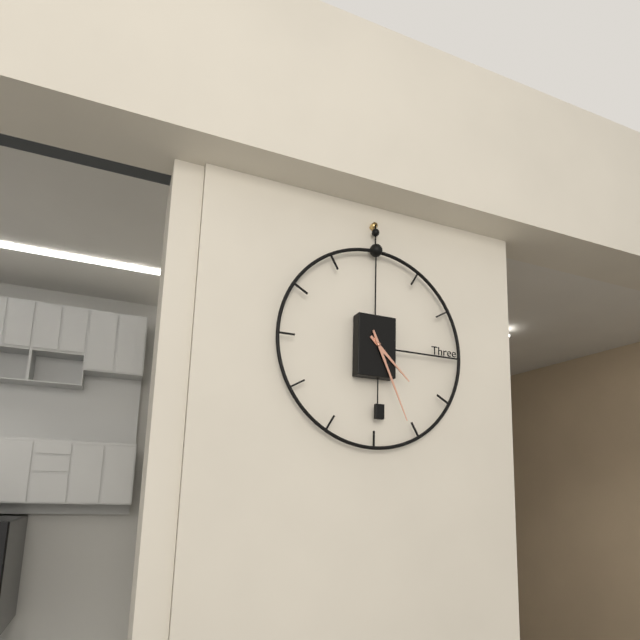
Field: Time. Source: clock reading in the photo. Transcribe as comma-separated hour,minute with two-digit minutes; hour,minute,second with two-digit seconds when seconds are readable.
4,26
